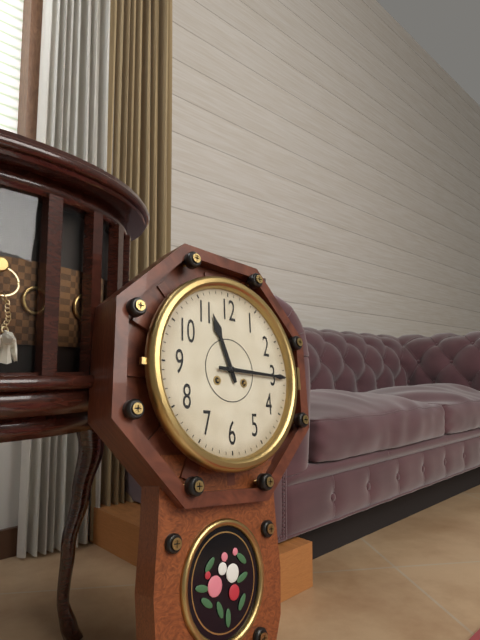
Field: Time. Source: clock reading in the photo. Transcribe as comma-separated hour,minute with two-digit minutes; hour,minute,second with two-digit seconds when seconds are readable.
11,15
